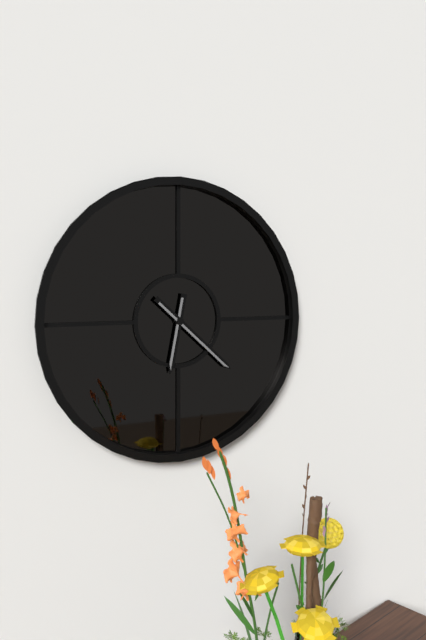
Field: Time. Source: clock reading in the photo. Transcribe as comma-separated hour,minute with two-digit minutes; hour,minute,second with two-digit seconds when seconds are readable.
6,22
